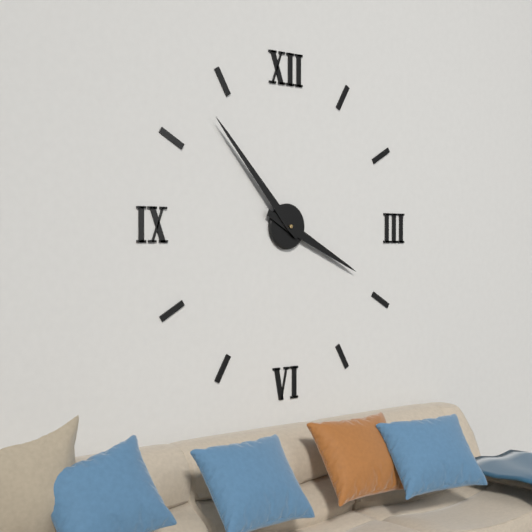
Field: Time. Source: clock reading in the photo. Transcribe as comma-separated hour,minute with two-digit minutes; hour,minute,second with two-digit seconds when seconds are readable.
3,53
